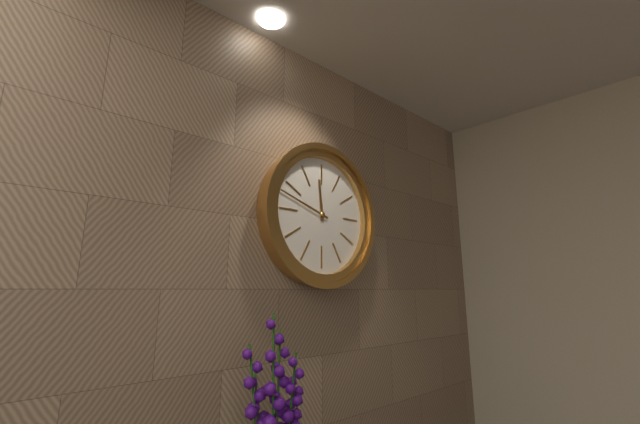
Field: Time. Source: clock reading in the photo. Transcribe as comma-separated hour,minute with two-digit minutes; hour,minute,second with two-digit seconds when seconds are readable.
11,48
